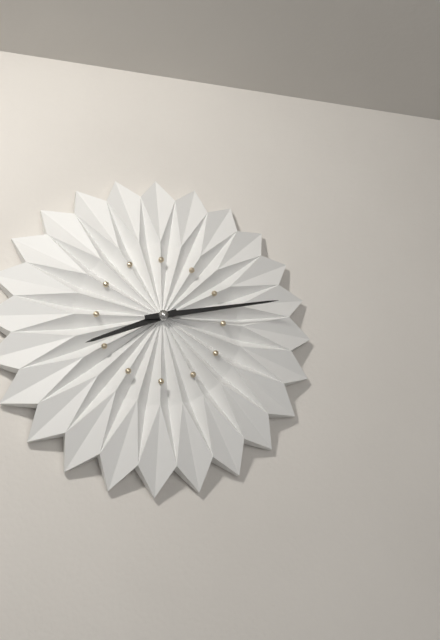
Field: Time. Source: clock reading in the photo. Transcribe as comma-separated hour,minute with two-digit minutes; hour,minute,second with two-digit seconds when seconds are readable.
8,13
